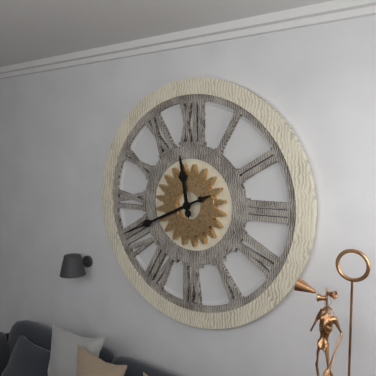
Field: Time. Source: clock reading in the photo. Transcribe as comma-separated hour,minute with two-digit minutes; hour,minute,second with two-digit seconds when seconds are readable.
11,41
